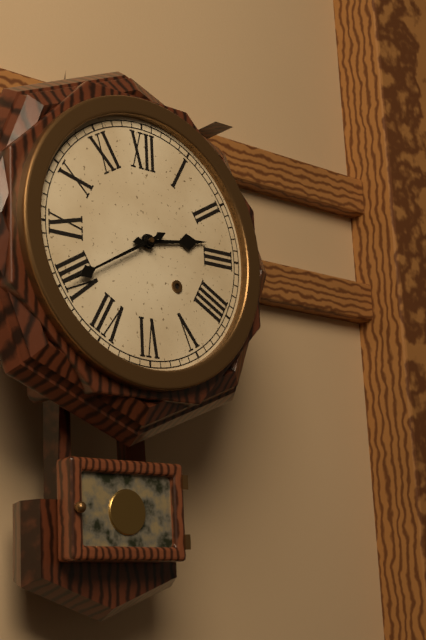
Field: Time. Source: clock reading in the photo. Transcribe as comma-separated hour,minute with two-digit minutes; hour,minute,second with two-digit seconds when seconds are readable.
2,40
